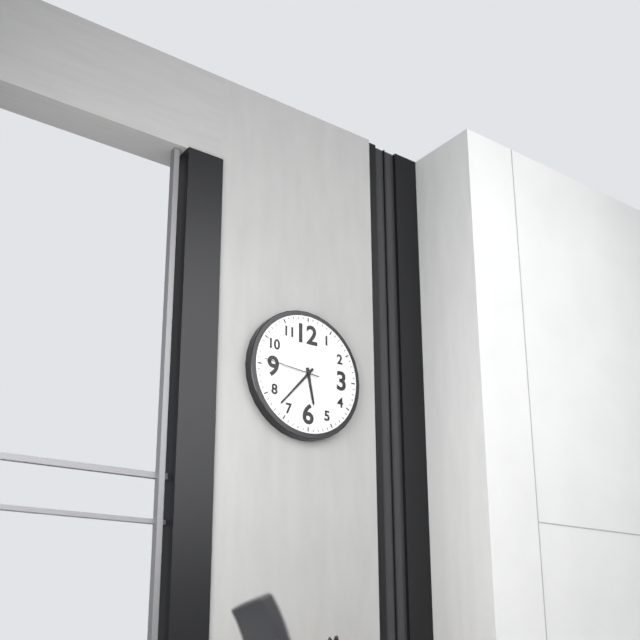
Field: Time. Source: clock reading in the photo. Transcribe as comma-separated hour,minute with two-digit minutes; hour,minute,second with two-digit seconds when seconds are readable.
5,37,46
